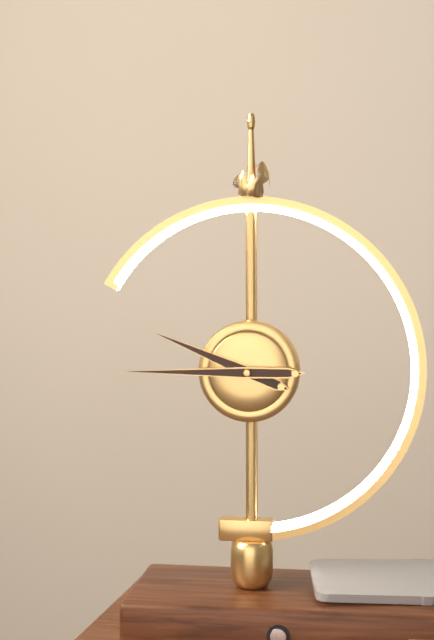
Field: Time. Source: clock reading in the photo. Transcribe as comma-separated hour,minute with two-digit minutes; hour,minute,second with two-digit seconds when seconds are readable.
9,45
